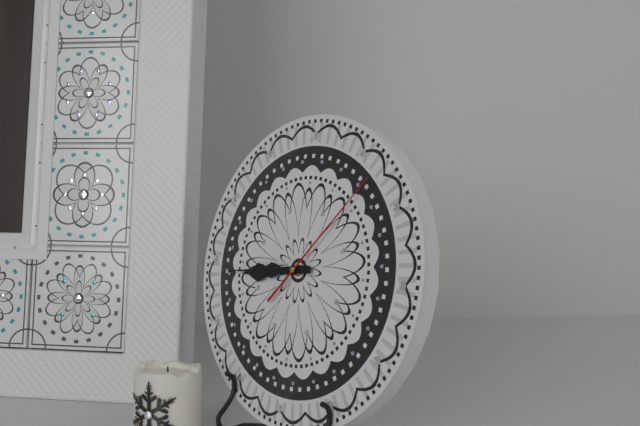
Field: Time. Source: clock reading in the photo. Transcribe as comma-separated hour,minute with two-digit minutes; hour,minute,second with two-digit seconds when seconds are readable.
8,44,07
